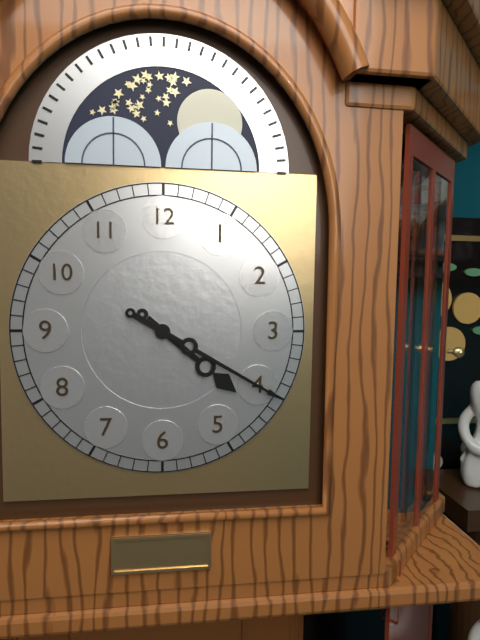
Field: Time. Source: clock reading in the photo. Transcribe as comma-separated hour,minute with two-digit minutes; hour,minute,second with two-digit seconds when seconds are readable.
4,20
